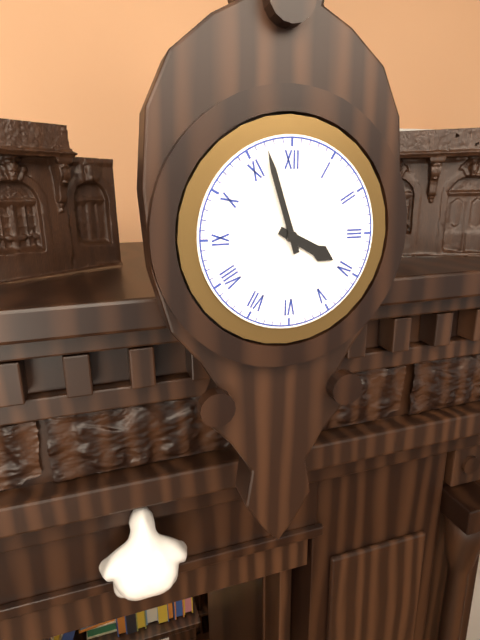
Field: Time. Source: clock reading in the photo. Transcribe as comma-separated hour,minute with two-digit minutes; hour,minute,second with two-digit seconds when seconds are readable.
3,57
